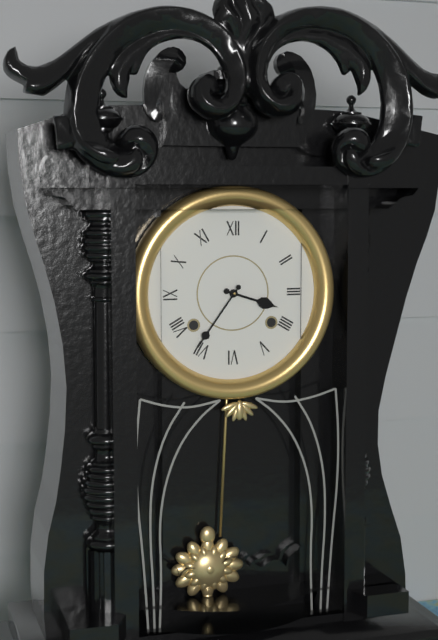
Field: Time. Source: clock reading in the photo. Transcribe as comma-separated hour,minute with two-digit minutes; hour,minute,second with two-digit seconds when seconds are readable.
3,36
